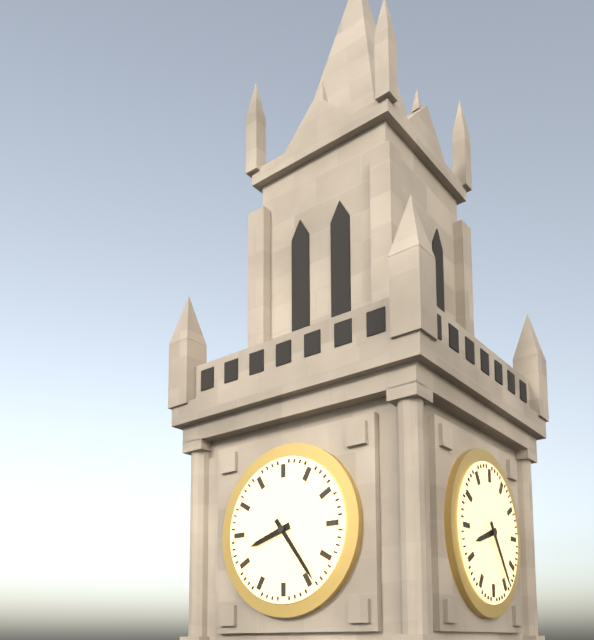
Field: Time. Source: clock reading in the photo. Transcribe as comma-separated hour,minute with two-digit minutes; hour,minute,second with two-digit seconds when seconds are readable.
8,24
